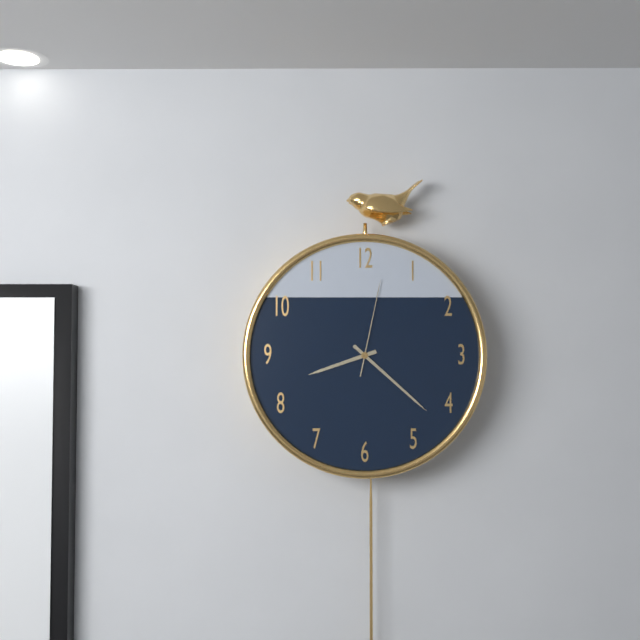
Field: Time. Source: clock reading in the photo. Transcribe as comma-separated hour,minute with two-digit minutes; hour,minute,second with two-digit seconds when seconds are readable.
8,22,02
